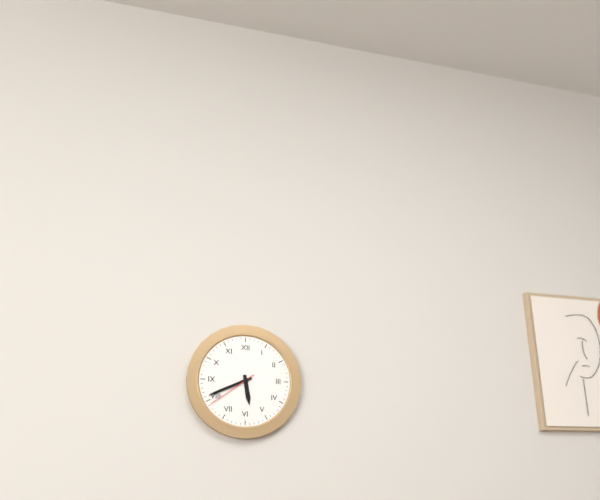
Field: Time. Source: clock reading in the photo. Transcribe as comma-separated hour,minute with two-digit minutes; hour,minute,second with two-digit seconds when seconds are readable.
5,41,39
